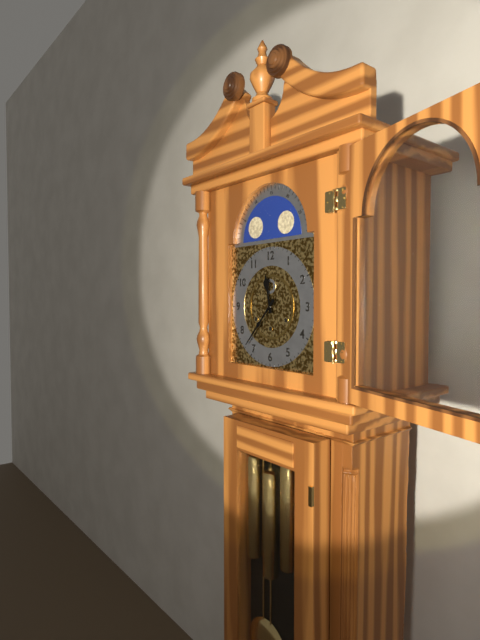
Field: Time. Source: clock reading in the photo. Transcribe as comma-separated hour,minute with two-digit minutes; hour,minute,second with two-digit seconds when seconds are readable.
11,37
